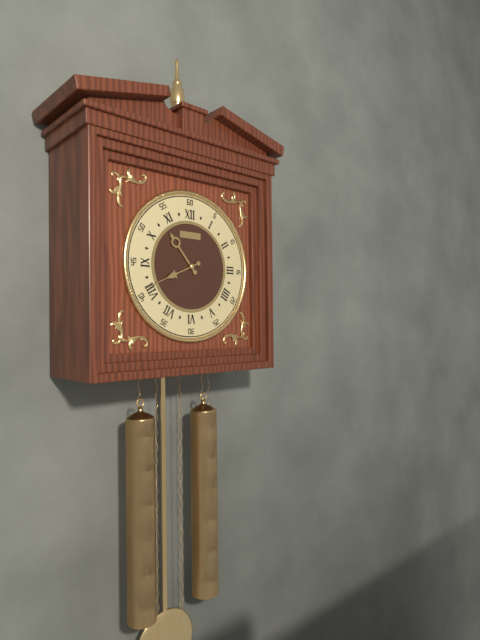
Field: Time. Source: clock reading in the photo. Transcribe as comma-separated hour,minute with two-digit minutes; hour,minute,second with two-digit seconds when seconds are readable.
10,41
